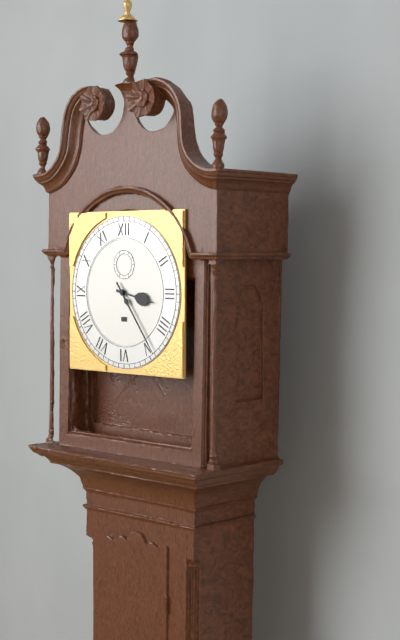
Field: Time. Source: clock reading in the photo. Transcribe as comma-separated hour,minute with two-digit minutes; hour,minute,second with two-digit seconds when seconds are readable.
3,24
